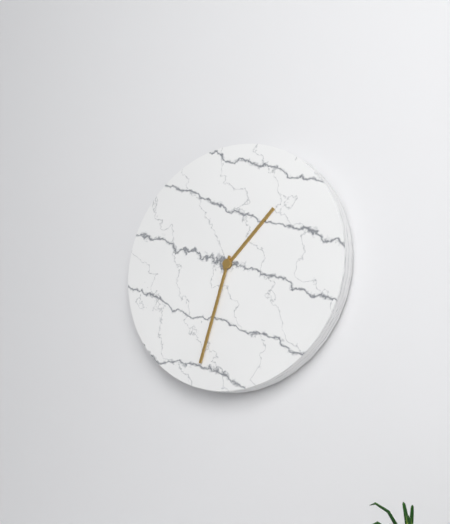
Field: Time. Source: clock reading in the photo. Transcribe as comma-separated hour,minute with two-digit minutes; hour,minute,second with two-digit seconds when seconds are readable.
1,33
